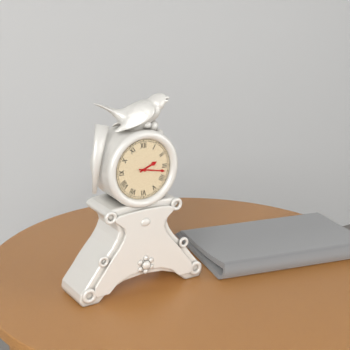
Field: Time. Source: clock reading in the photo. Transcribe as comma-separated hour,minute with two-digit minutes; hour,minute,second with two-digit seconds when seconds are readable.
2,17
